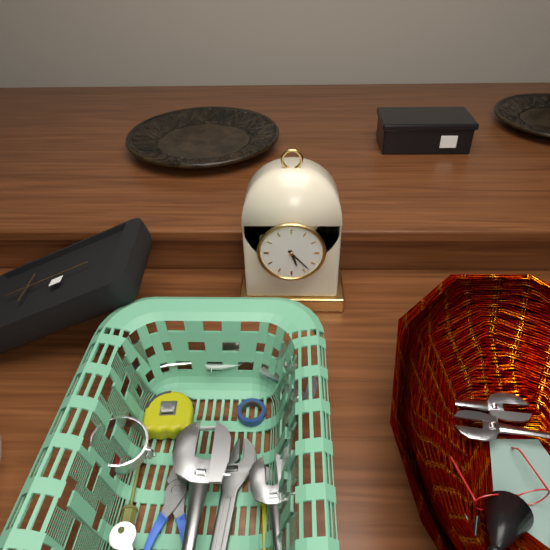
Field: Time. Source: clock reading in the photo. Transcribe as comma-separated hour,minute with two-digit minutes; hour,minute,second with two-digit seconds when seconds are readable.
5,23
